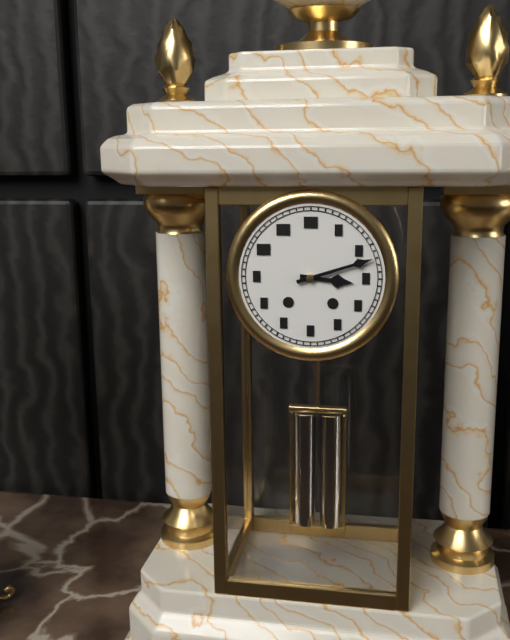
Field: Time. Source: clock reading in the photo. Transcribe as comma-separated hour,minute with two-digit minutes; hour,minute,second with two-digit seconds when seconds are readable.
3,12
